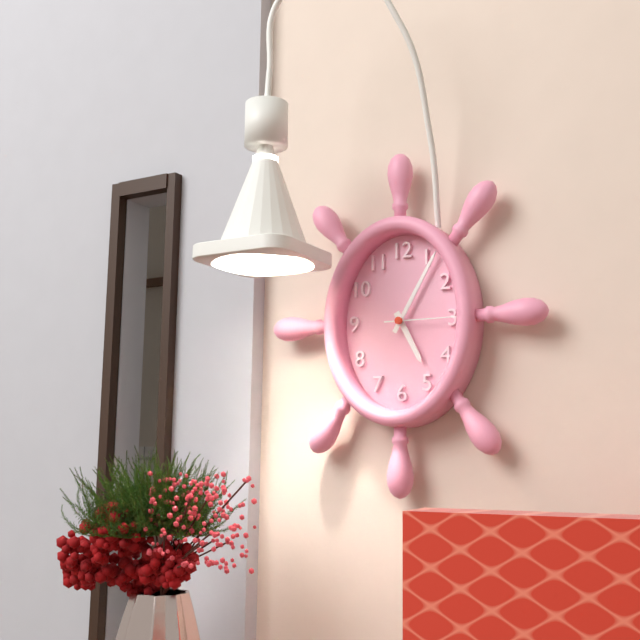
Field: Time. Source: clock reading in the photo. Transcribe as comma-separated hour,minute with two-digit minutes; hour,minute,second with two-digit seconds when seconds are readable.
5,05,15
